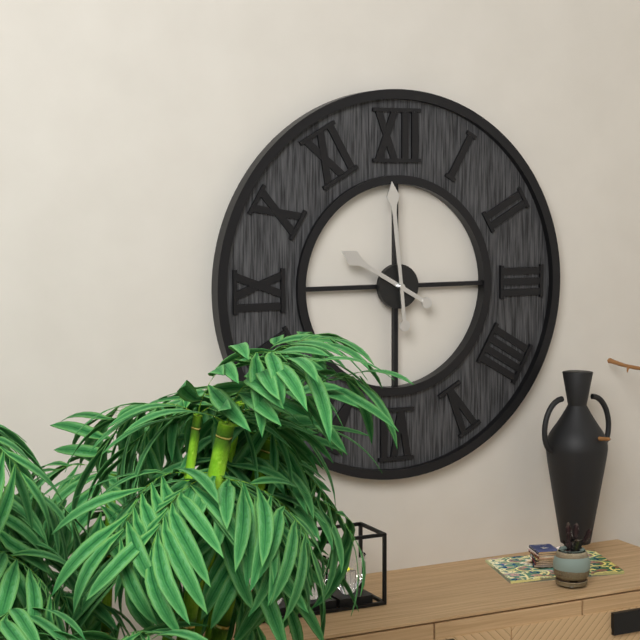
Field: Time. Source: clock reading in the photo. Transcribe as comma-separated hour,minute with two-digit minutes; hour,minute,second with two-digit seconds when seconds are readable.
9,59
